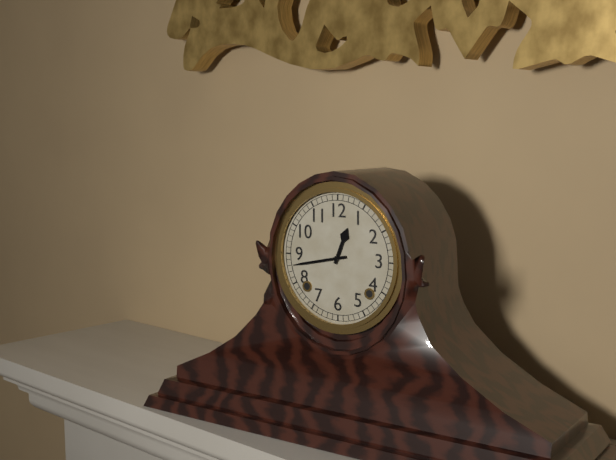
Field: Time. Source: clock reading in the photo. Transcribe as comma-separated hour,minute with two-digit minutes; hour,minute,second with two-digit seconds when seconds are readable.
12,43
